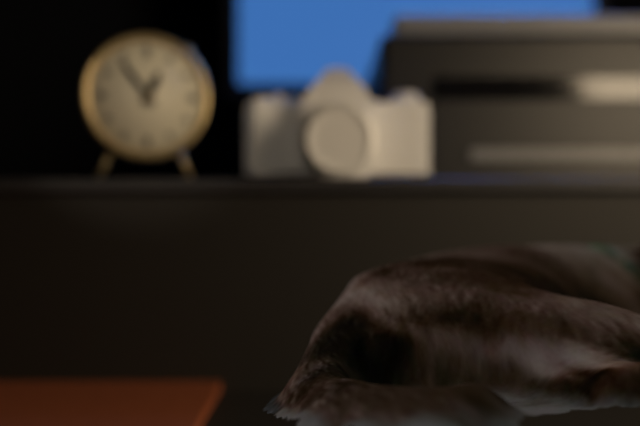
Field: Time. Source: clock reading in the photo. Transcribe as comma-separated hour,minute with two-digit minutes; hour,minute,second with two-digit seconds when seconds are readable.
12,54
